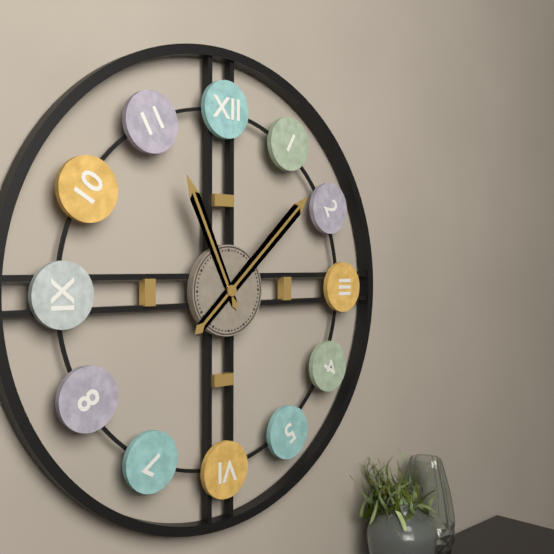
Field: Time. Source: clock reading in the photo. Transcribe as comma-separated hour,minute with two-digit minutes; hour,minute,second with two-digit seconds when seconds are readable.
11,08
